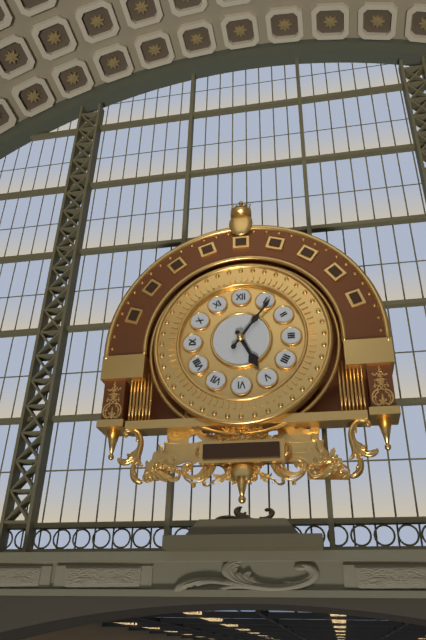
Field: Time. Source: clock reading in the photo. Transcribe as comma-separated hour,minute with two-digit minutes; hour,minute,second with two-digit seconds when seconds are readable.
5,06
